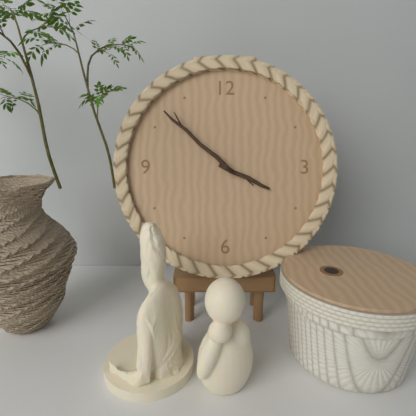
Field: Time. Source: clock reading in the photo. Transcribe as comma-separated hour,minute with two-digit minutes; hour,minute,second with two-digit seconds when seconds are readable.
3,52
